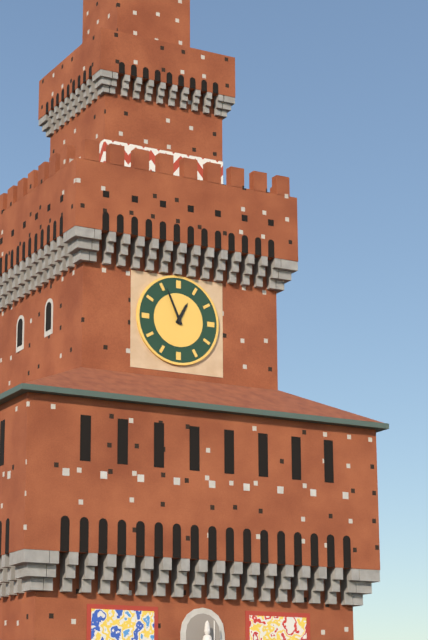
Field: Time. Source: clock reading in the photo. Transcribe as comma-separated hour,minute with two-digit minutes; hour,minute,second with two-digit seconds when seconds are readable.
12,56
